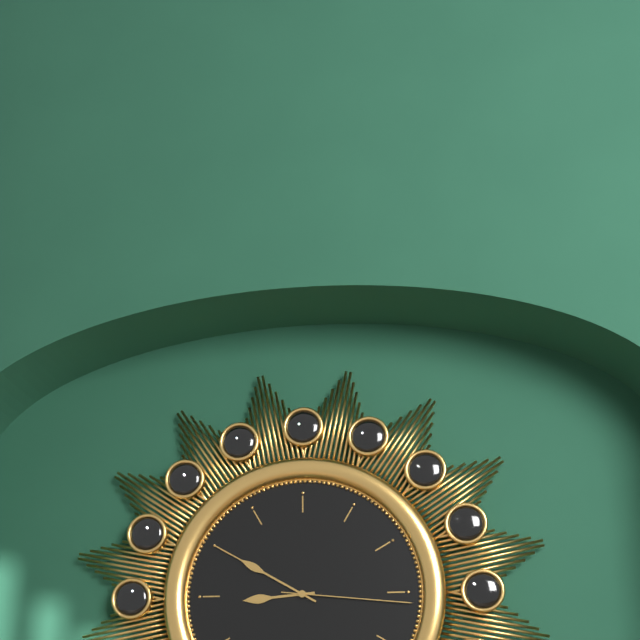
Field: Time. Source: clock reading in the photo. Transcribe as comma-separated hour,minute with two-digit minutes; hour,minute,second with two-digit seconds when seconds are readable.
8,50,16
